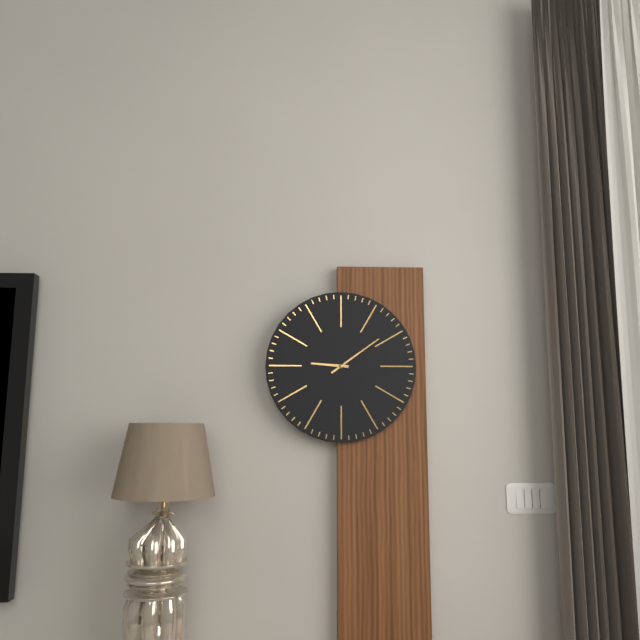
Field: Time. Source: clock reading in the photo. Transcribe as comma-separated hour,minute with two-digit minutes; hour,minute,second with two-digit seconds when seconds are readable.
9,09
